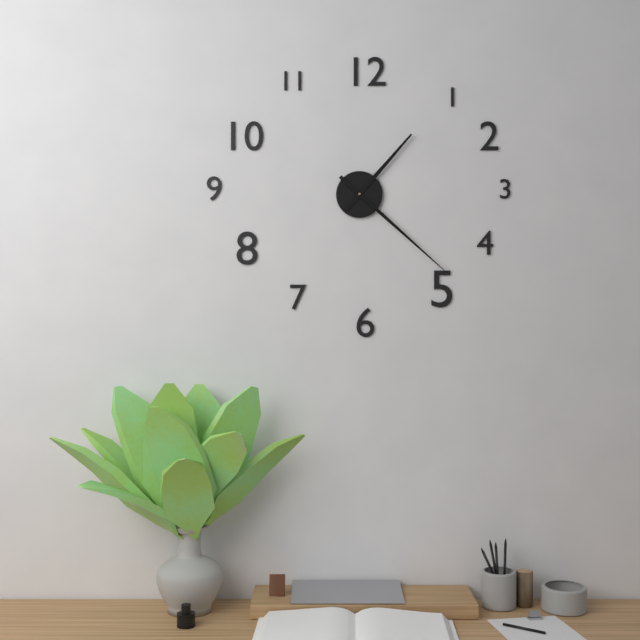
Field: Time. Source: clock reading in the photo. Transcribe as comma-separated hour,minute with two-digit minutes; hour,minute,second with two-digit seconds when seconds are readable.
1,22
